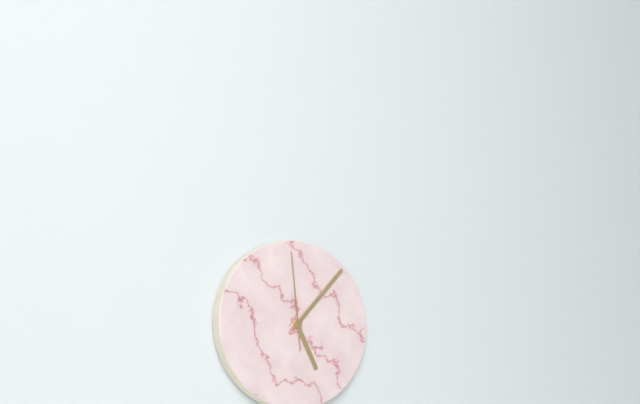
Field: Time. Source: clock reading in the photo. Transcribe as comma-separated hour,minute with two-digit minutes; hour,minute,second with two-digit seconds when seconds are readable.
5,07,59
